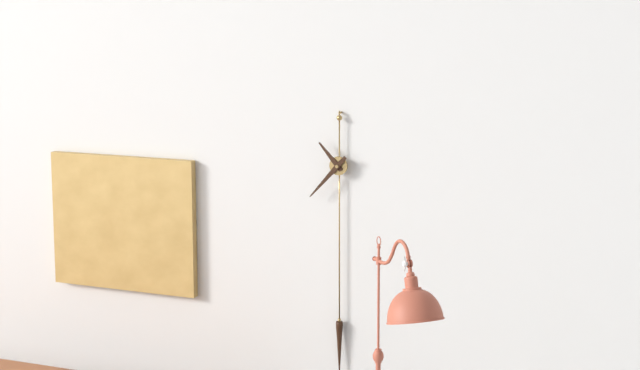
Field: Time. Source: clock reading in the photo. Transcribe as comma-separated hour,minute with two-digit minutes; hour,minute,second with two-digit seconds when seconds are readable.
10,37
